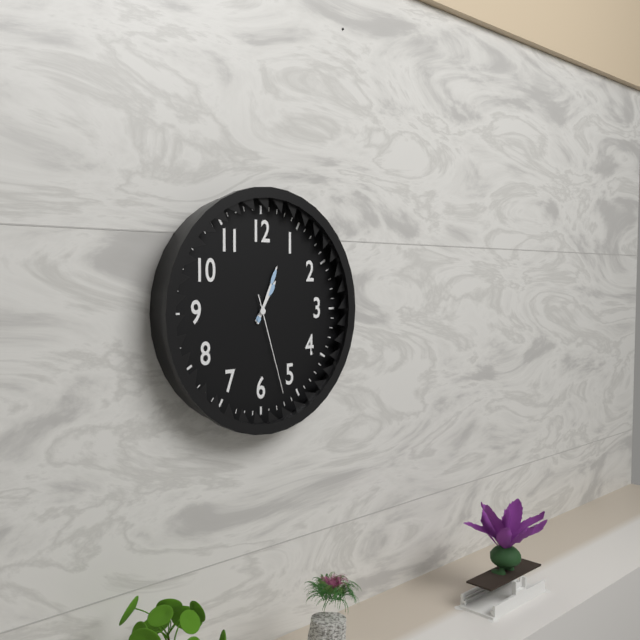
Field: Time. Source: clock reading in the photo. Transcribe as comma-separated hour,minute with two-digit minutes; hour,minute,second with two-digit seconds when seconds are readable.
1,04,27
